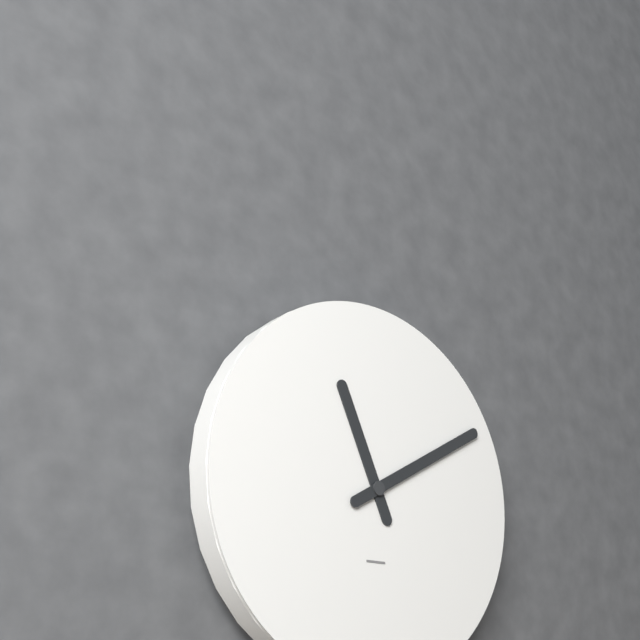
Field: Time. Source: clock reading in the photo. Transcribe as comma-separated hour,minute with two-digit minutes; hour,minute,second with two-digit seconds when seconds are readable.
11,10
